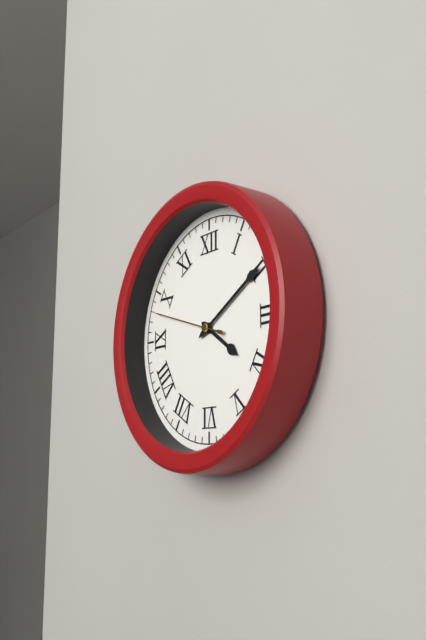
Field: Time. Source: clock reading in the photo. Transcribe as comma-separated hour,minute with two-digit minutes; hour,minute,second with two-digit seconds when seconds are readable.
4,10,48
